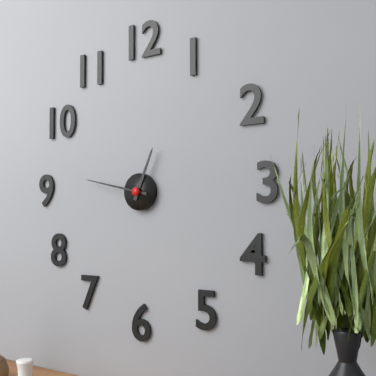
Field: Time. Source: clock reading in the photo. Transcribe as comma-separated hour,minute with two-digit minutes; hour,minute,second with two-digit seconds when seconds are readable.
12,47
